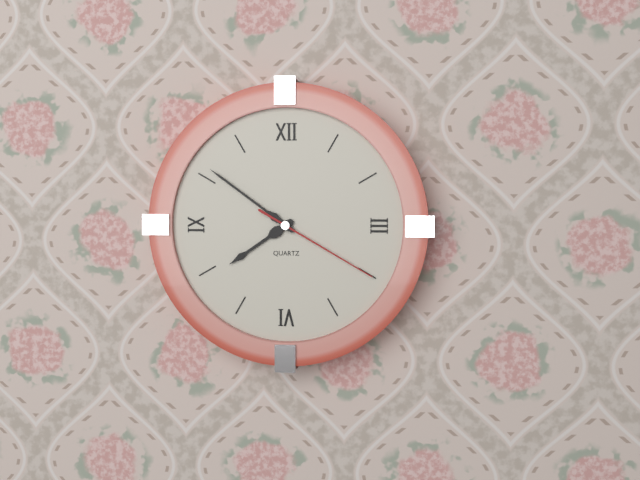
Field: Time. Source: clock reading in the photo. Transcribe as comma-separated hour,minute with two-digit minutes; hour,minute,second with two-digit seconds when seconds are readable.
7,51,20
